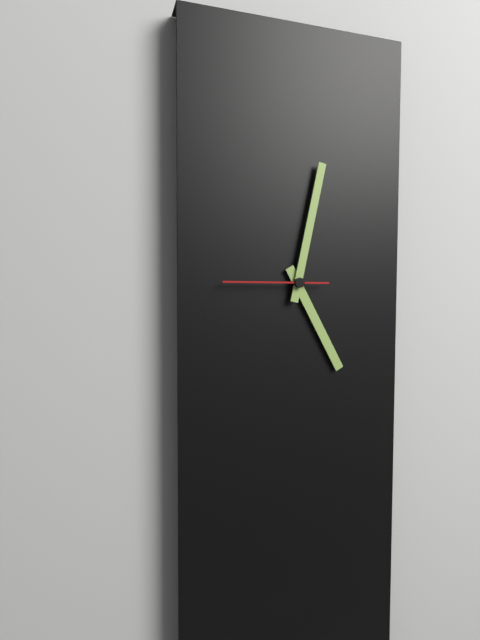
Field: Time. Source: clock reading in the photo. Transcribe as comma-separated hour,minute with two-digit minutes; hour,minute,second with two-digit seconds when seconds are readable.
5,02,45
